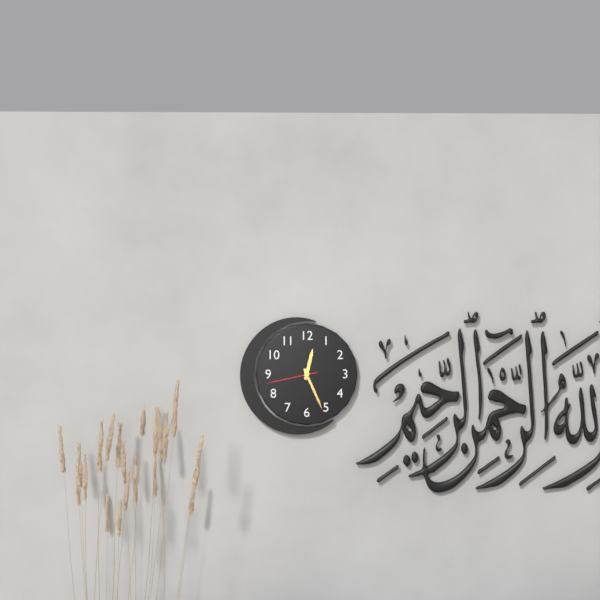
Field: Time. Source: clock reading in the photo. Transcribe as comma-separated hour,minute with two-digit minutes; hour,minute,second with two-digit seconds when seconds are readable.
12,26,43
